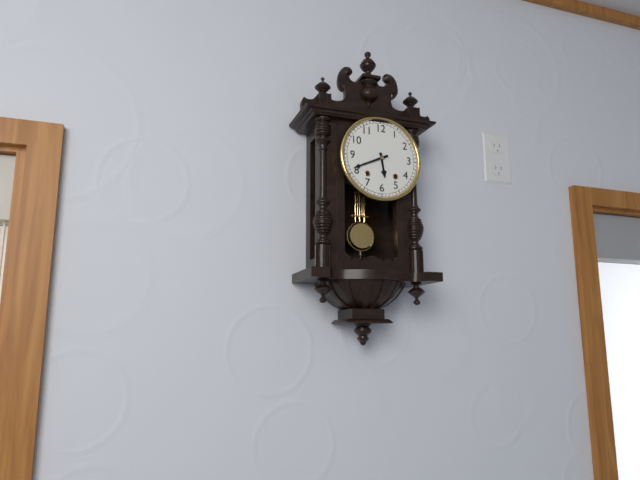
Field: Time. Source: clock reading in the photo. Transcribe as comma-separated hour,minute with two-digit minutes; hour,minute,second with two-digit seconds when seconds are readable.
5,41
